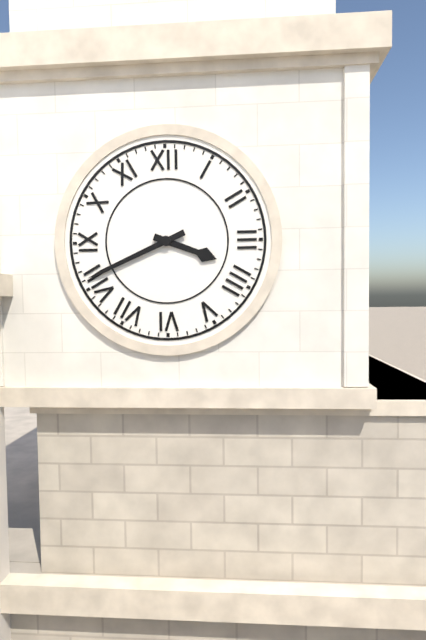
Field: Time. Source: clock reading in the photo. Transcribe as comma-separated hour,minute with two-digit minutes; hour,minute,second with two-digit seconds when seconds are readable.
3,41
